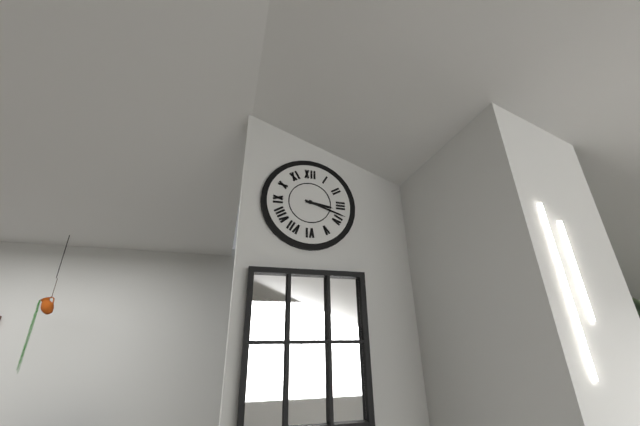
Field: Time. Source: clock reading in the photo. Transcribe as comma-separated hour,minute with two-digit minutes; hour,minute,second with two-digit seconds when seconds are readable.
3,18
